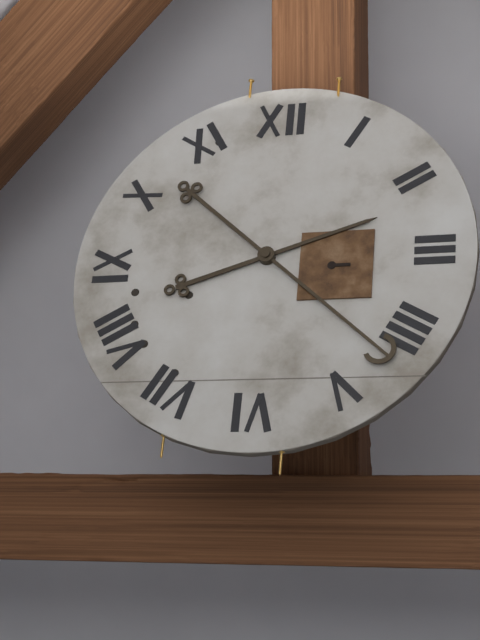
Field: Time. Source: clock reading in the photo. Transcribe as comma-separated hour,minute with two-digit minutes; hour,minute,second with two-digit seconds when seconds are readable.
2,22
